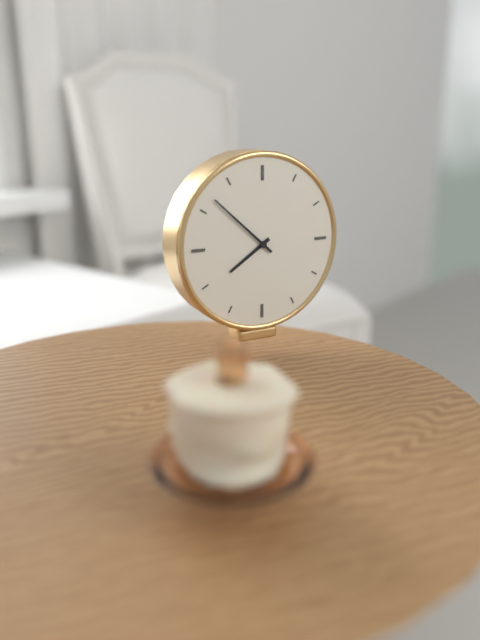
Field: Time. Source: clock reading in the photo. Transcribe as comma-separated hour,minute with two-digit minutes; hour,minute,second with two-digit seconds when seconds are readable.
7,52
